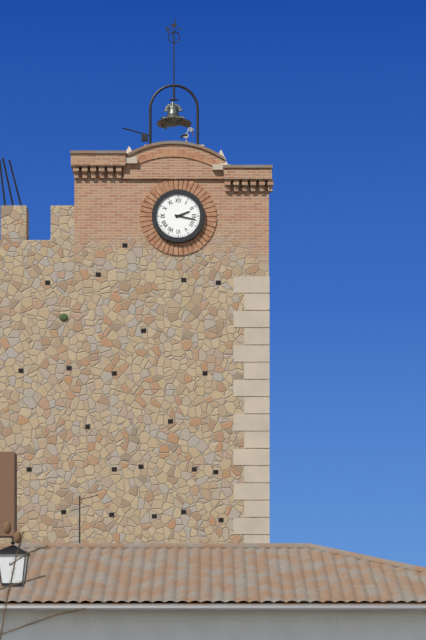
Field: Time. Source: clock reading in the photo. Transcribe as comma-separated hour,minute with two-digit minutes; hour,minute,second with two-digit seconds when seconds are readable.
2,17
